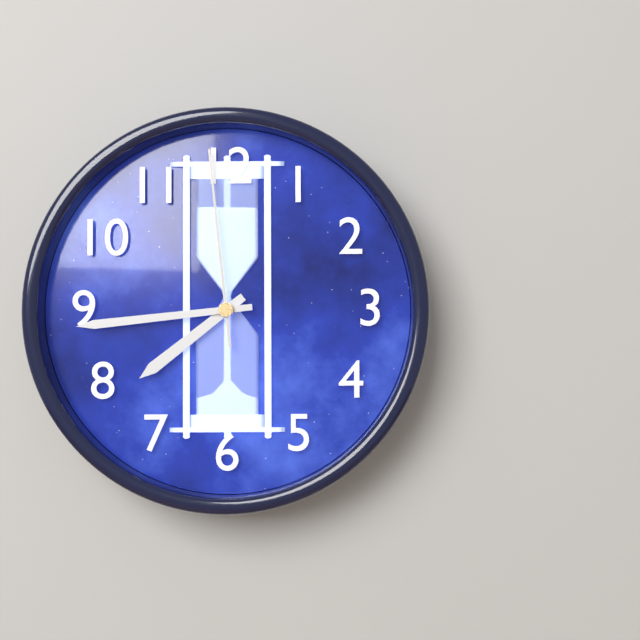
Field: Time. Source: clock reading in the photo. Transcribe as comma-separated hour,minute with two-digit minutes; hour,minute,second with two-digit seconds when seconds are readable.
7,44,59
